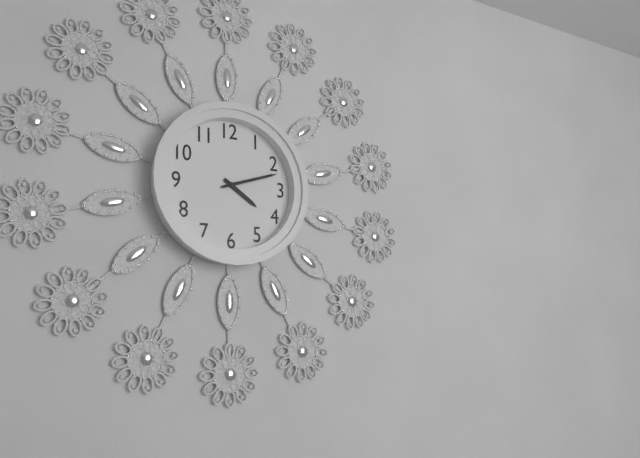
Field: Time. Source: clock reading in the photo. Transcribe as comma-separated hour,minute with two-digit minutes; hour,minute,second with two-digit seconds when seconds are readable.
4,12
